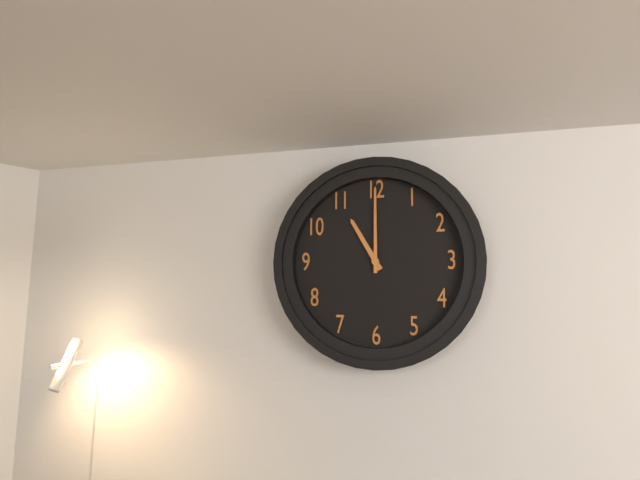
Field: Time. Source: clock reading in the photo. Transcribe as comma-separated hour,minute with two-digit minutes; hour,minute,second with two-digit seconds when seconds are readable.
11,00
